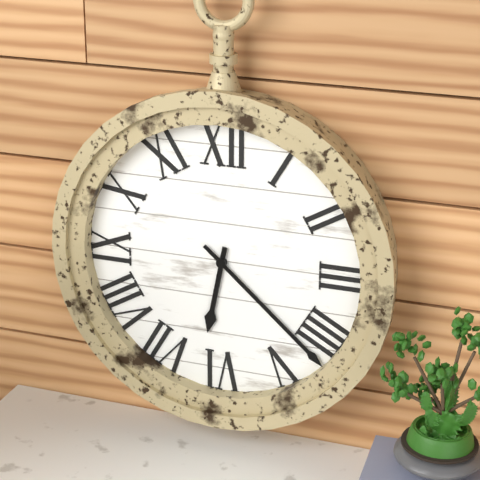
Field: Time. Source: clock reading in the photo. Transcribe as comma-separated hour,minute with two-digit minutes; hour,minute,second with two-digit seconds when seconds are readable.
6,22
